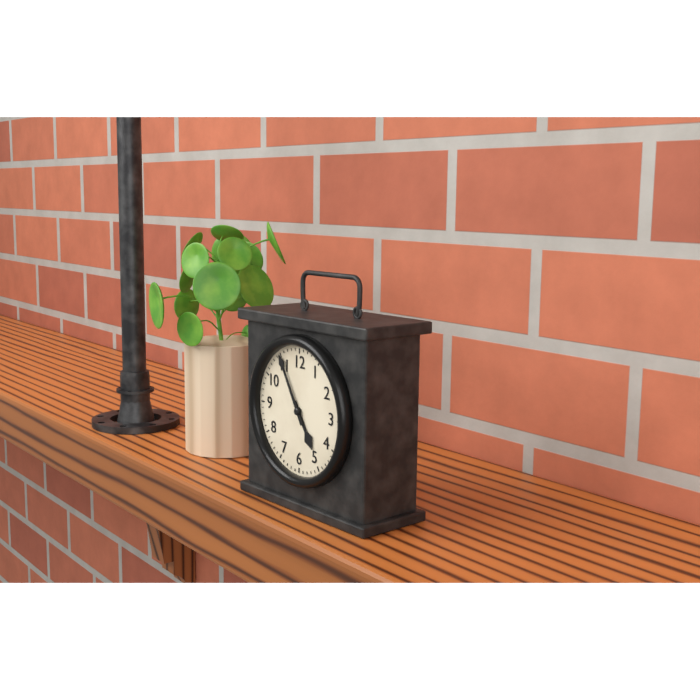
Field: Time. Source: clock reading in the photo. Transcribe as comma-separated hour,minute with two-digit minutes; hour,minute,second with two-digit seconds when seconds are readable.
4,55
